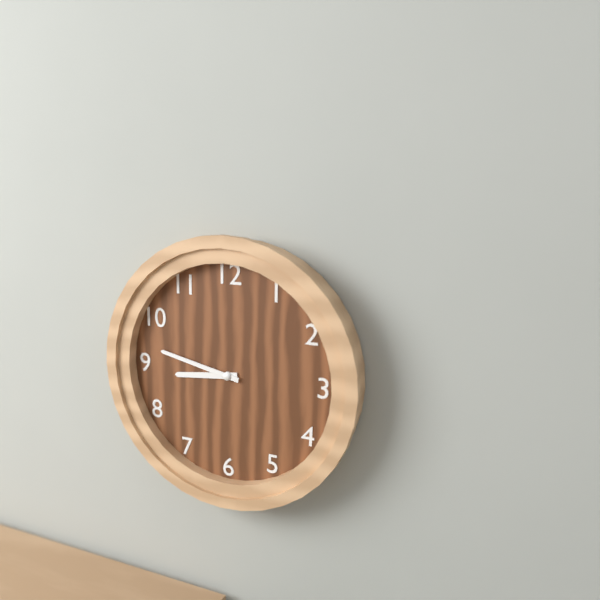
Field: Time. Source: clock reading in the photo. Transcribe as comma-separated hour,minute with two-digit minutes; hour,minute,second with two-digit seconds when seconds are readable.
8,47
